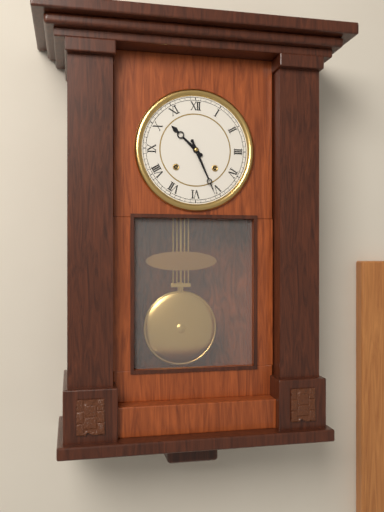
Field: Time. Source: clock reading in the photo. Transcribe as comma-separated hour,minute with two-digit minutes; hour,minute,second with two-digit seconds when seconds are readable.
10,26
